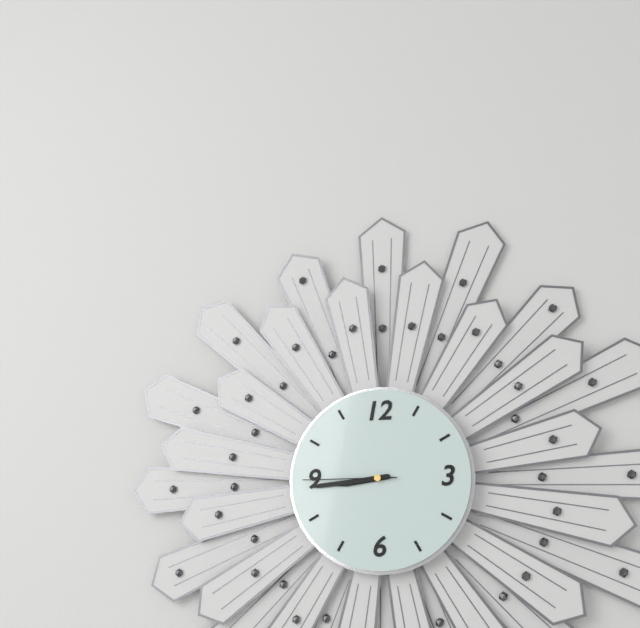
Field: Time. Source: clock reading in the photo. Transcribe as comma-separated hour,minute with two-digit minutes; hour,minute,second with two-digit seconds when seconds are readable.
8,44,45
